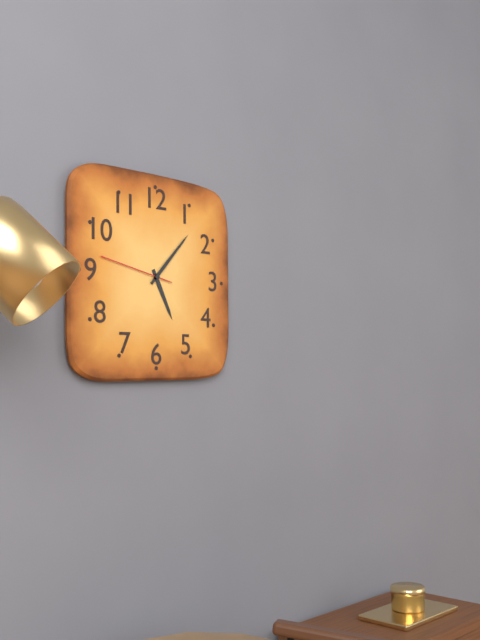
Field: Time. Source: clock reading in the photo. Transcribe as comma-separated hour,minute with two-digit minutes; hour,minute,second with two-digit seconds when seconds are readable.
5,07,47
